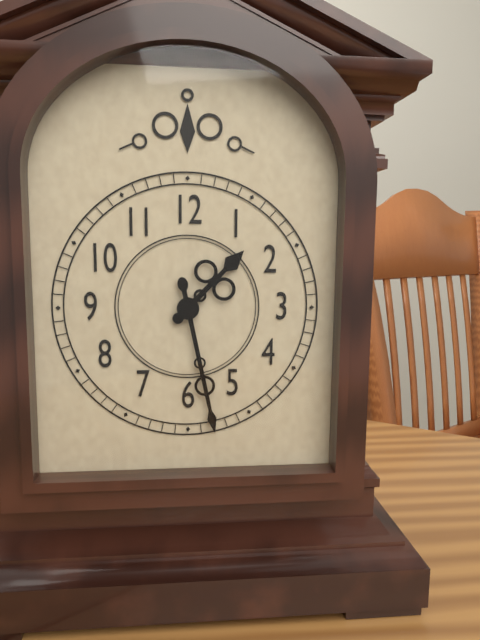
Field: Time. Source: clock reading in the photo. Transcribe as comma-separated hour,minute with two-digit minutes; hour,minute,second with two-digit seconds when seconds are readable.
1,28
